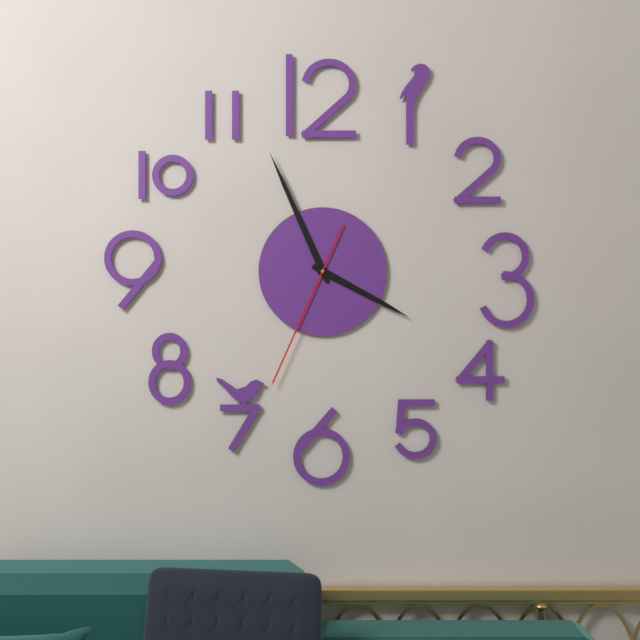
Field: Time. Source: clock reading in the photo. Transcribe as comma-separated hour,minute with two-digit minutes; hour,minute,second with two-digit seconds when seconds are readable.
3,56,34
